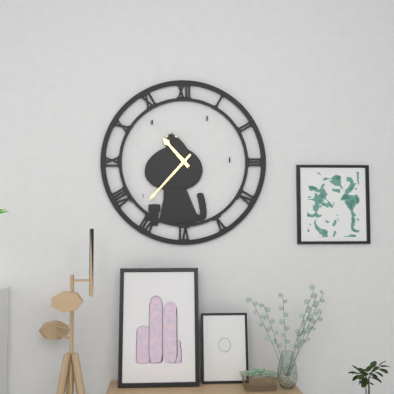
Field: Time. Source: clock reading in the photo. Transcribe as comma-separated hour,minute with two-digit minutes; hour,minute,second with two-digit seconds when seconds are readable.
10,37
